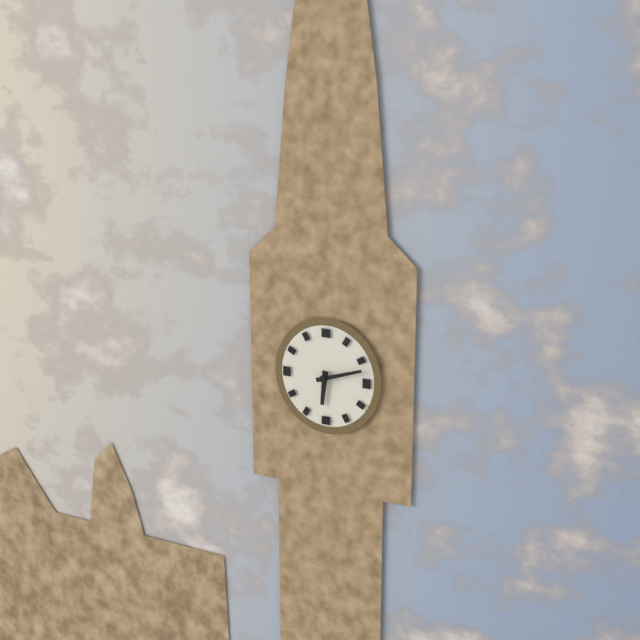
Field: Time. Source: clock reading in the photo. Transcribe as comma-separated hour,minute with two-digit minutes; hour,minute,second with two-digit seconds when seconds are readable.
6,12
